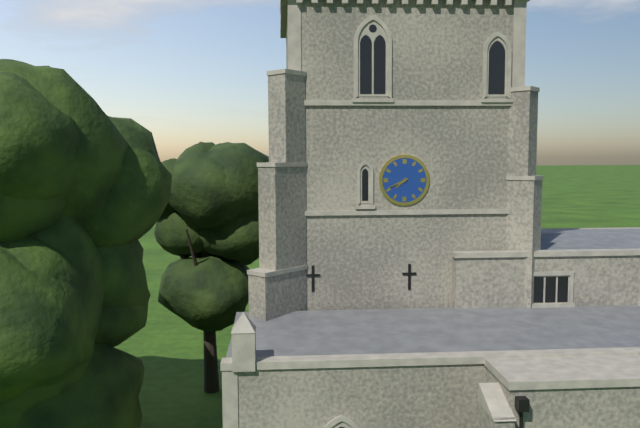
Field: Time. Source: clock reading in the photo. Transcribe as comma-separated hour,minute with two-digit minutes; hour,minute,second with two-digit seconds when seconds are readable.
7,41
